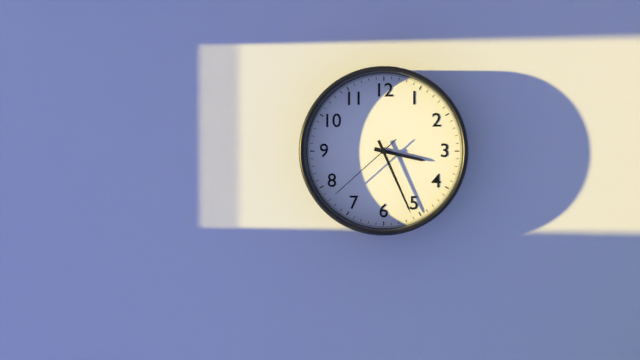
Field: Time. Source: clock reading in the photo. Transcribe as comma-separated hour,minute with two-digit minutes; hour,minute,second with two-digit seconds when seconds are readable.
3,26,38
